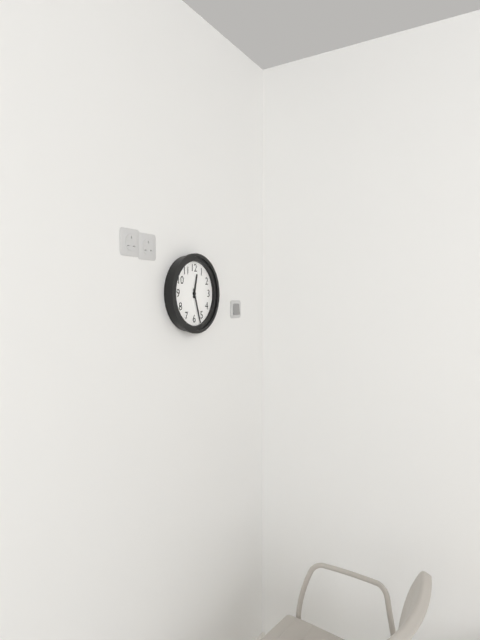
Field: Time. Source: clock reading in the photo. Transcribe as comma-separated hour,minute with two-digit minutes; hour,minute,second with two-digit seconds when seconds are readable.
12,27
